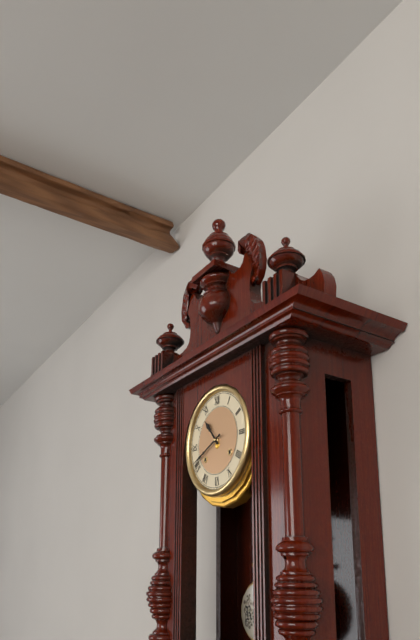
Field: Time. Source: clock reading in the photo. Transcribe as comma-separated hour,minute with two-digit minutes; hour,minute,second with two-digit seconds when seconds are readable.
10,41
